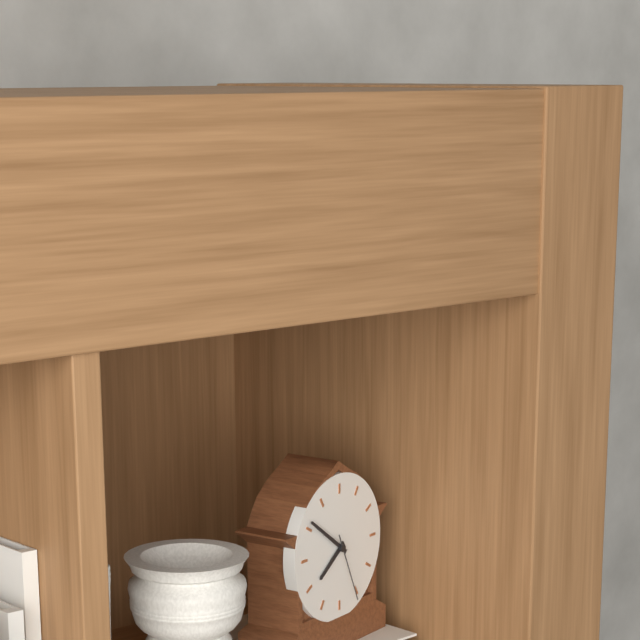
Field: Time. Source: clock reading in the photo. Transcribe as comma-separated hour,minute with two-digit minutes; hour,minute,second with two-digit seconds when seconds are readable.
7,51,26
